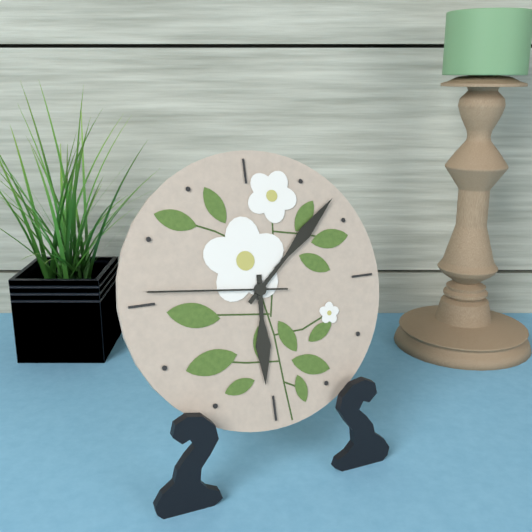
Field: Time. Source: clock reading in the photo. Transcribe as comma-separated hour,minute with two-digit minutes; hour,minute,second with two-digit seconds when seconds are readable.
6,08,46
